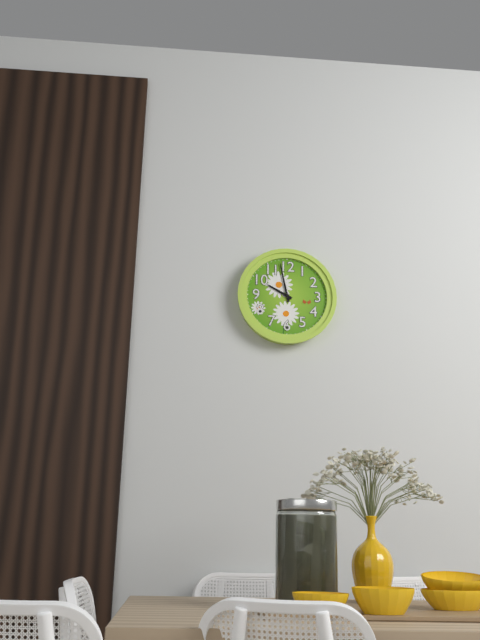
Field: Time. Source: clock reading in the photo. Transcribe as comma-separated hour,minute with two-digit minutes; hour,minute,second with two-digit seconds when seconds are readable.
9,58
